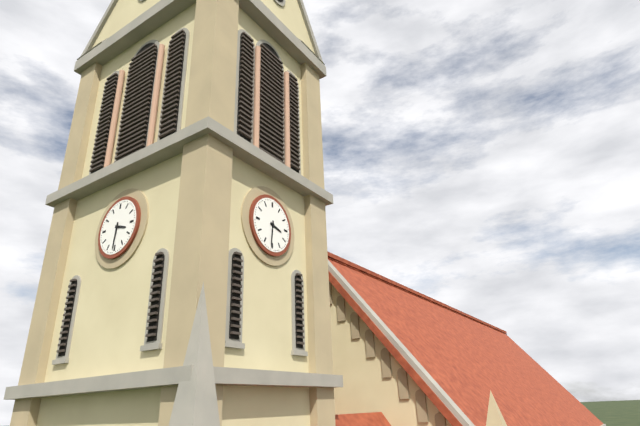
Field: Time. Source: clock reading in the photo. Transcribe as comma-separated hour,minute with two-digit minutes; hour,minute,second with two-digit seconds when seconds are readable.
3,31
